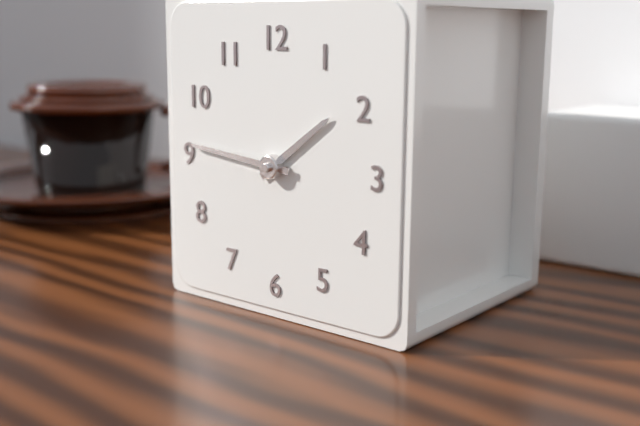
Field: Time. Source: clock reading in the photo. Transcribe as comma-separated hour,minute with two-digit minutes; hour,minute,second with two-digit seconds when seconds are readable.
1,46
